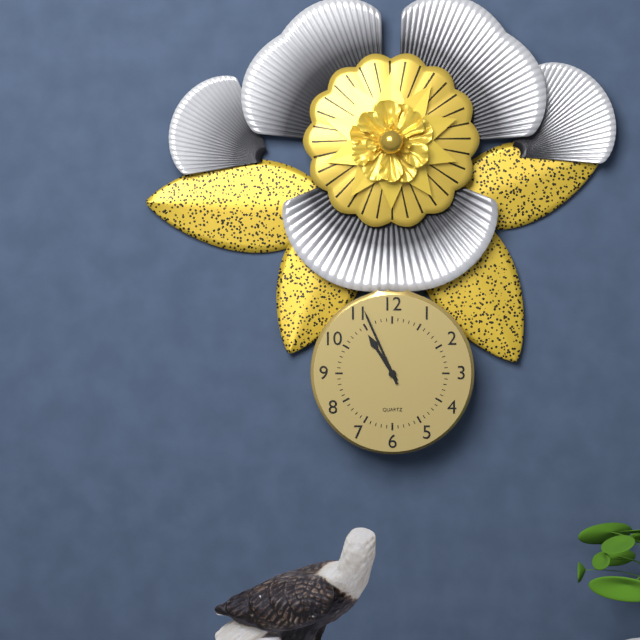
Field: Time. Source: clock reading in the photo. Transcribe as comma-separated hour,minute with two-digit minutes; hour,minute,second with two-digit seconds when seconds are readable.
10,56
